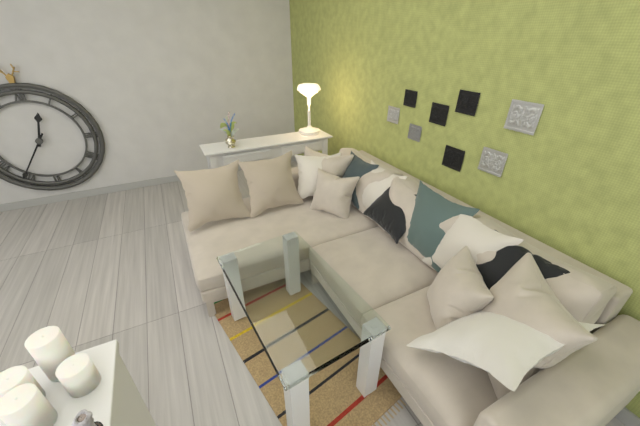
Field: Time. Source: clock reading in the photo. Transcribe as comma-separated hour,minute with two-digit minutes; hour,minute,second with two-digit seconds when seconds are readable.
12,36
